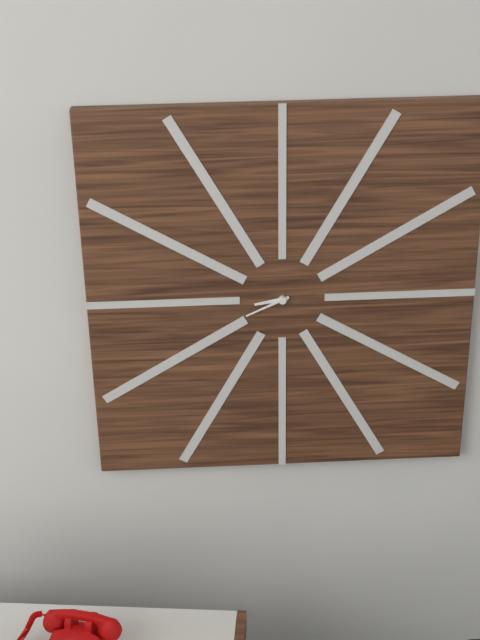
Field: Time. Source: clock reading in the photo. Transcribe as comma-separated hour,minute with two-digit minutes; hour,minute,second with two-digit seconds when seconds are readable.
8,41
